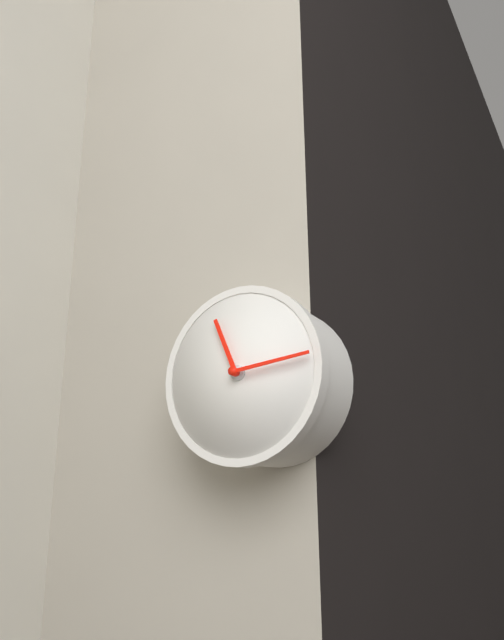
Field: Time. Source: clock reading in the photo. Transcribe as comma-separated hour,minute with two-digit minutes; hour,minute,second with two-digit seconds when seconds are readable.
11,14
